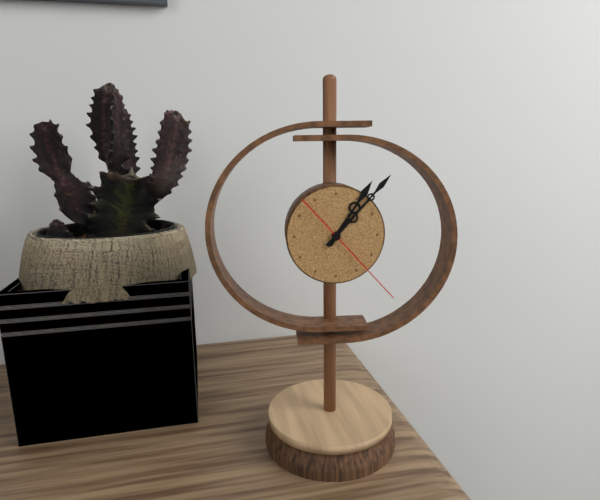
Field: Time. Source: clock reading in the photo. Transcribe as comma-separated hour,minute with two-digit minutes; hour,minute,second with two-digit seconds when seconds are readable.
1,07,23
